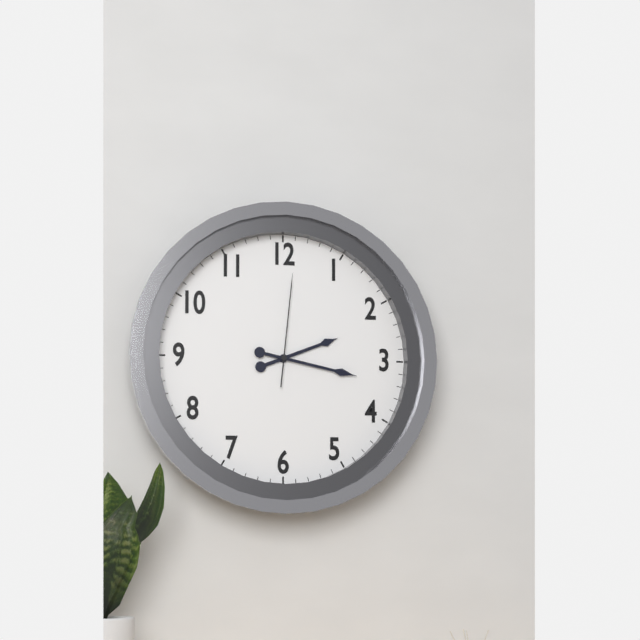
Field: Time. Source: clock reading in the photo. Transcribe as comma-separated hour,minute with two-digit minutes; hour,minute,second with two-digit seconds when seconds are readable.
2,17,01
